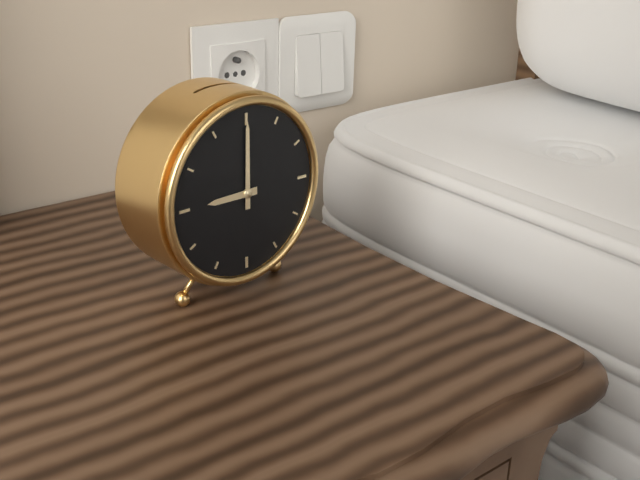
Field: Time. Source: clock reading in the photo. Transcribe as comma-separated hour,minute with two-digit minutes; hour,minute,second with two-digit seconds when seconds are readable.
9,00
